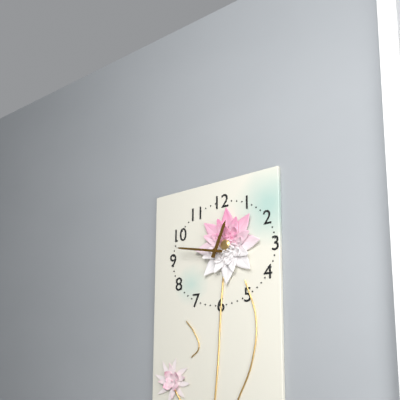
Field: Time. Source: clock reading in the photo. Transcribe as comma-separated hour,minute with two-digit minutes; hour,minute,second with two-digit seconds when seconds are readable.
12,47
